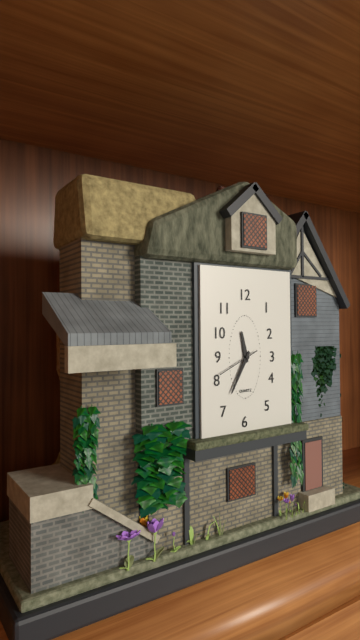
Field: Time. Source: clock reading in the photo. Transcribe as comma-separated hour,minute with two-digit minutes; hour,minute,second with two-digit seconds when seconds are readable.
11,35
